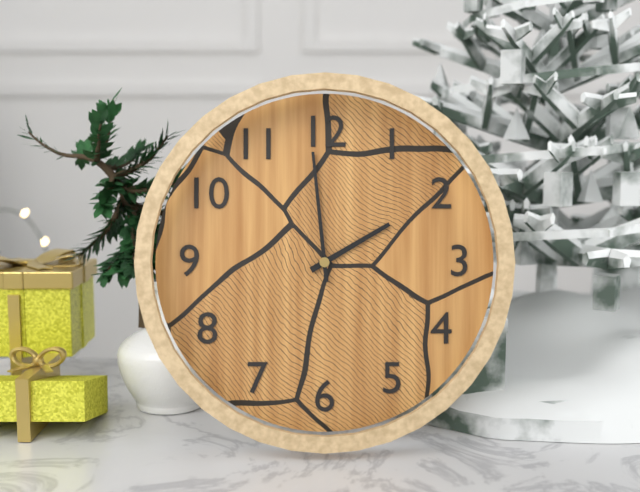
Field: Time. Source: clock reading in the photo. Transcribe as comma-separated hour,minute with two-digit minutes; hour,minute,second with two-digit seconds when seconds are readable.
1,59
